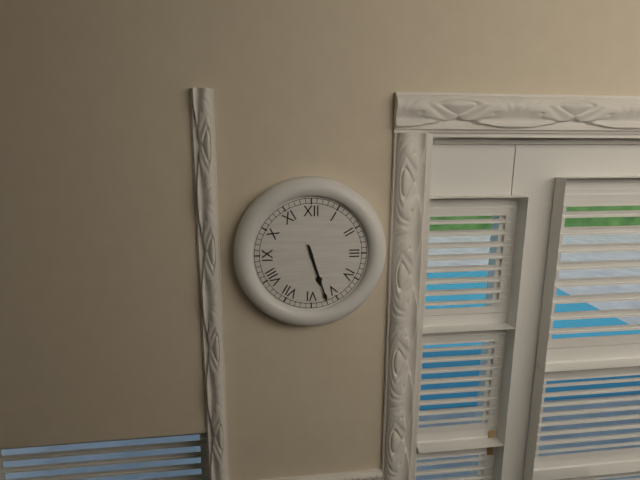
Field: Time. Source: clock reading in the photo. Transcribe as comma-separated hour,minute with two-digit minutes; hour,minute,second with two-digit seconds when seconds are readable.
5,27
